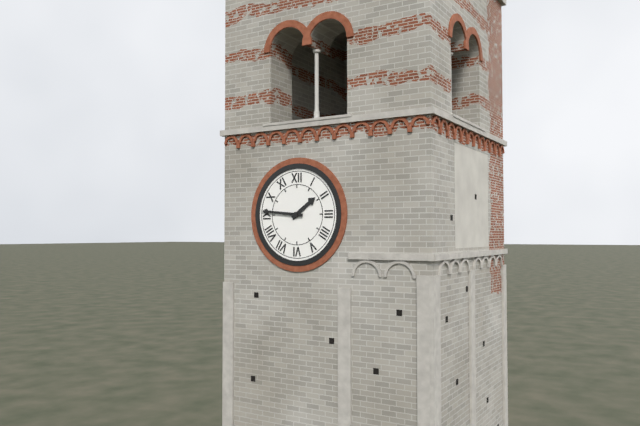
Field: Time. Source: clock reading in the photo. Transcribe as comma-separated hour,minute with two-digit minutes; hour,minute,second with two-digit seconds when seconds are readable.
1,46
